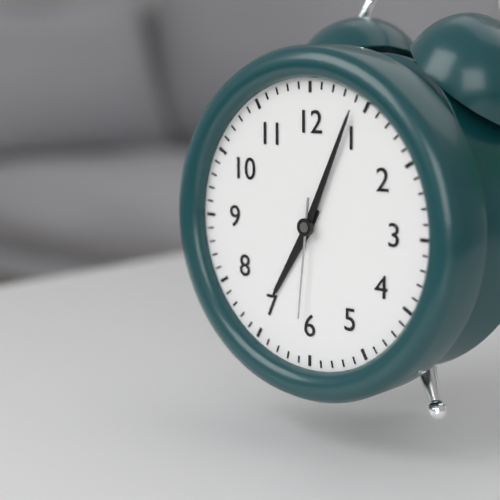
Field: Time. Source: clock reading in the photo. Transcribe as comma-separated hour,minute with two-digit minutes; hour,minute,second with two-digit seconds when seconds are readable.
7,04,31
